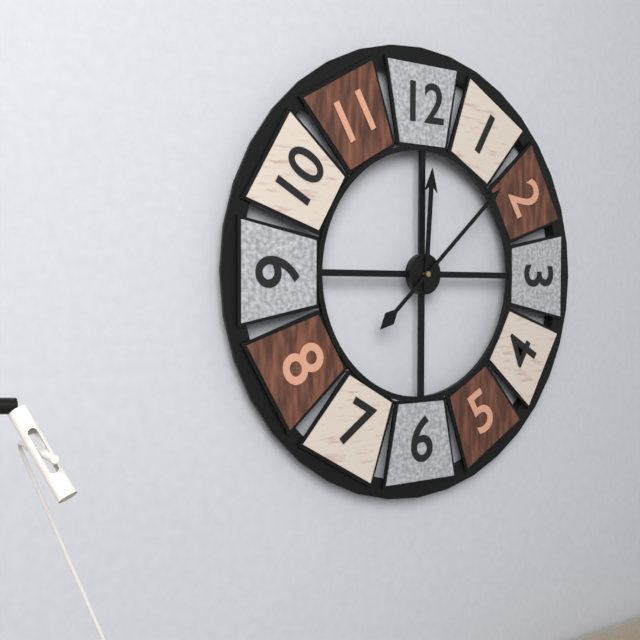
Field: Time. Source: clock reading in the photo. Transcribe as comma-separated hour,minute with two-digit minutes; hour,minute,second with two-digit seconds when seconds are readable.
12,08
